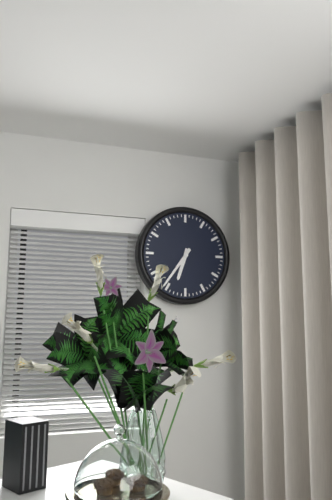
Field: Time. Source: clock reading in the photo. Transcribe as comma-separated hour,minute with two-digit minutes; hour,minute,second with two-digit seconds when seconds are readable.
6,36
